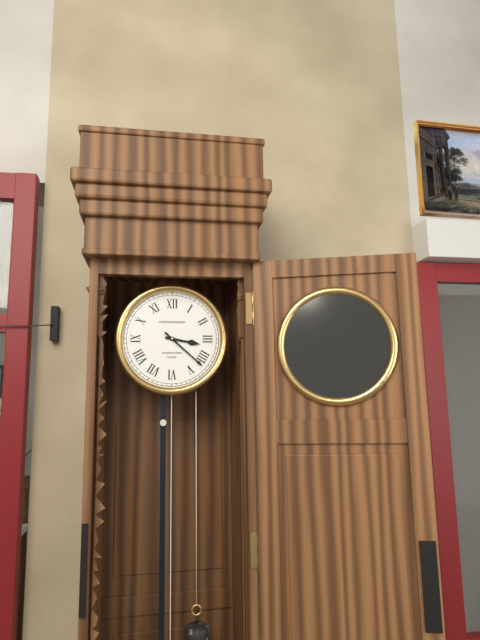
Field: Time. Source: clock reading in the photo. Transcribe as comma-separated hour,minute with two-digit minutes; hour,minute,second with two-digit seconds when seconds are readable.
3,22
